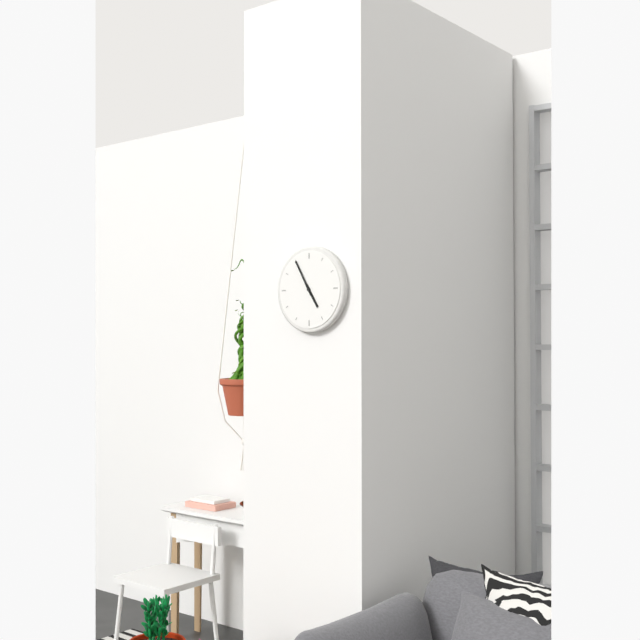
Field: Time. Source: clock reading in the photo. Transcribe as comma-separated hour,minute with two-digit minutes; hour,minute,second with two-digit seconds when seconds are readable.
4,55
